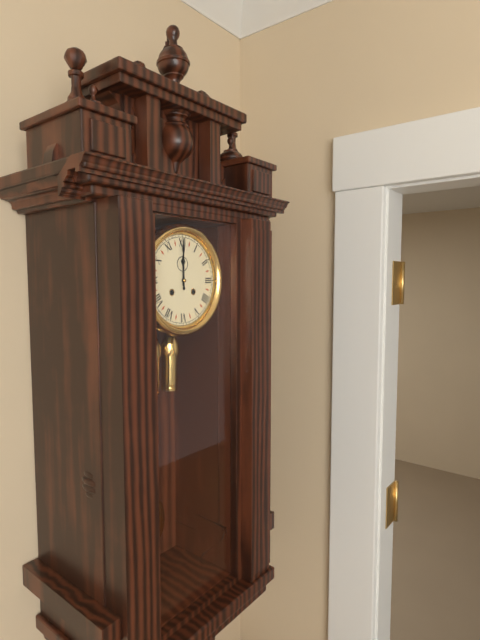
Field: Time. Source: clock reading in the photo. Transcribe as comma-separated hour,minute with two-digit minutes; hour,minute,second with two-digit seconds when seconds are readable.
12,00
